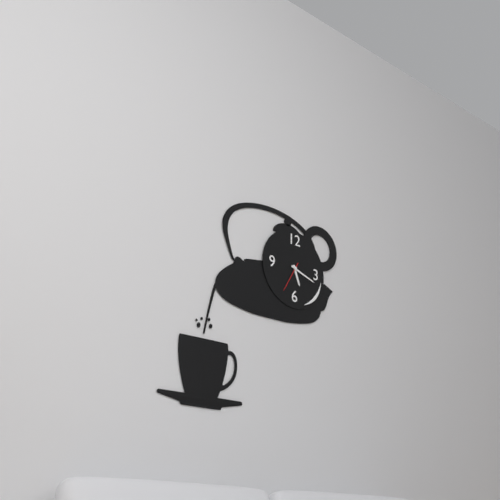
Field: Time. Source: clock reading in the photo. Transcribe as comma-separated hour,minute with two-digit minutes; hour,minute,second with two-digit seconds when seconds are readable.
5,18
